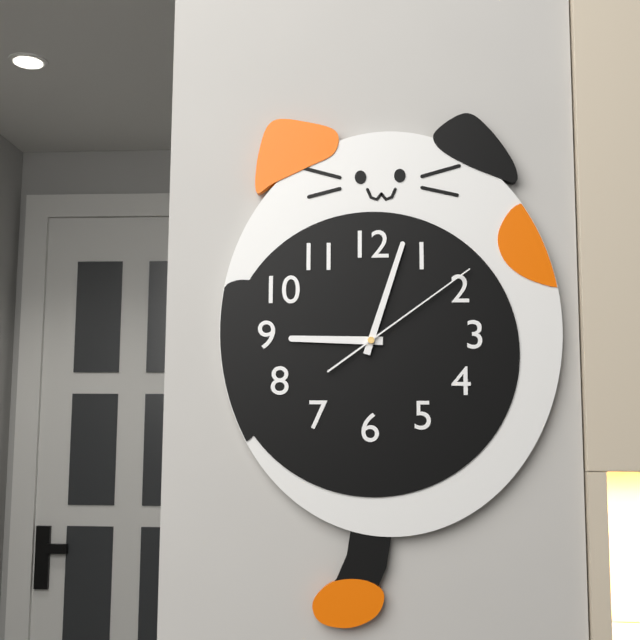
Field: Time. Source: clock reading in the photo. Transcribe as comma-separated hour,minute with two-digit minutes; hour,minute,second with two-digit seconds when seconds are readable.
9,03,09
